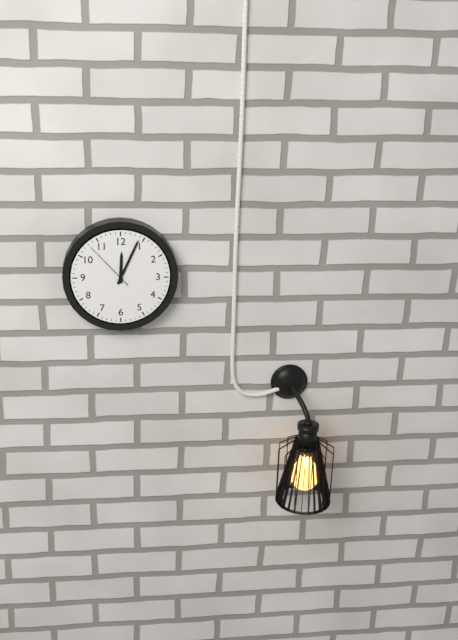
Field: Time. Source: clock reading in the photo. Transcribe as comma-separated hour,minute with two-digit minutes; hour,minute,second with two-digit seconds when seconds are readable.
12,04,53
